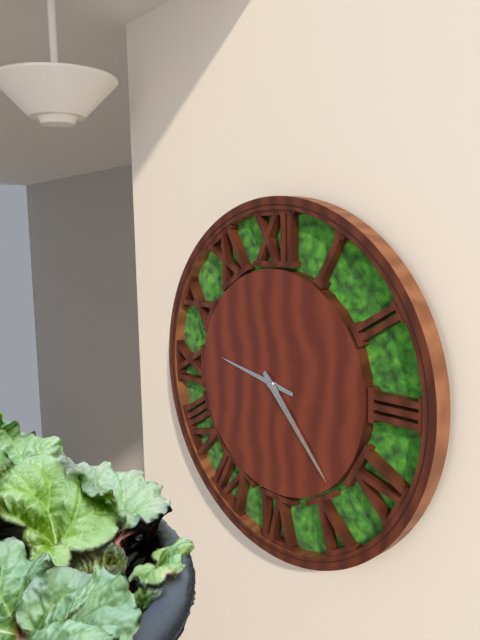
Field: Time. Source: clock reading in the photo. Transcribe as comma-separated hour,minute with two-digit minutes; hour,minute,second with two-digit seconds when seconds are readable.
9,23
